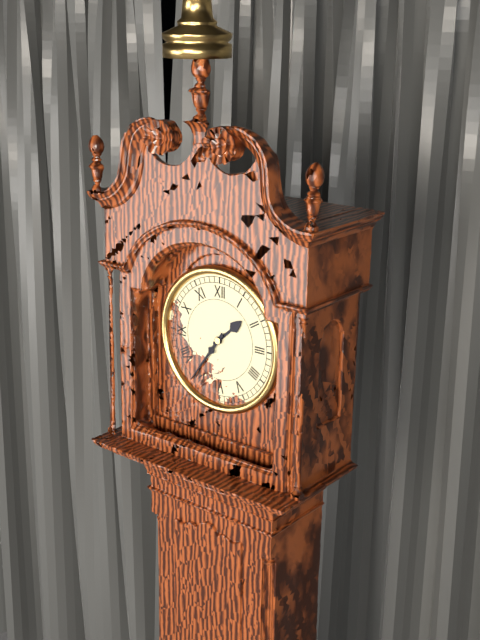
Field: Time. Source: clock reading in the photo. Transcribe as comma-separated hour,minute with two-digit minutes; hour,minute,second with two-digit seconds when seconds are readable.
1,36
